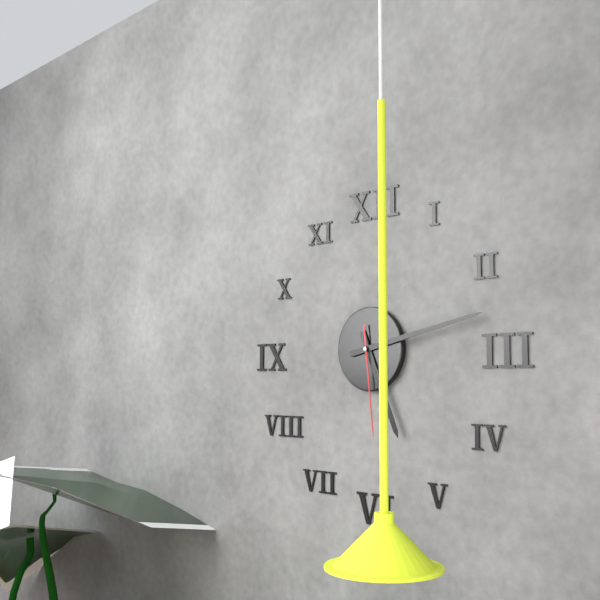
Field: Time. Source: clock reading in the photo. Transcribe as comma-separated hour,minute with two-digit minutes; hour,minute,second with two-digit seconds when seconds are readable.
5,13,29
